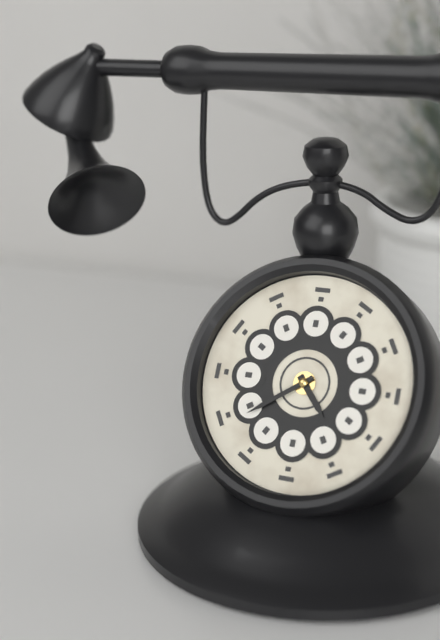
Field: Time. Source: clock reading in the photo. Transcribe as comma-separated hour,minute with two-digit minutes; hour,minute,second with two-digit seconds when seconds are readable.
4,39
